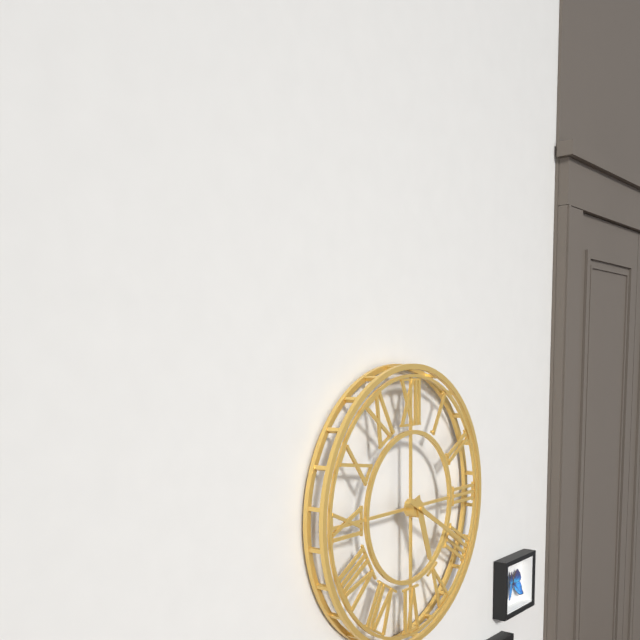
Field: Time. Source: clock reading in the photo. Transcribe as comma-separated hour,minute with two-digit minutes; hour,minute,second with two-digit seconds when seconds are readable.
5,20
